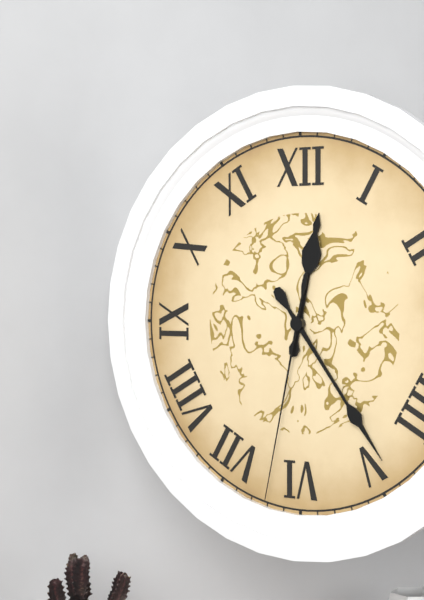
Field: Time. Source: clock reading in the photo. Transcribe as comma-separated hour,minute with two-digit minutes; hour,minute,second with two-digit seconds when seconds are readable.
12,24,32
